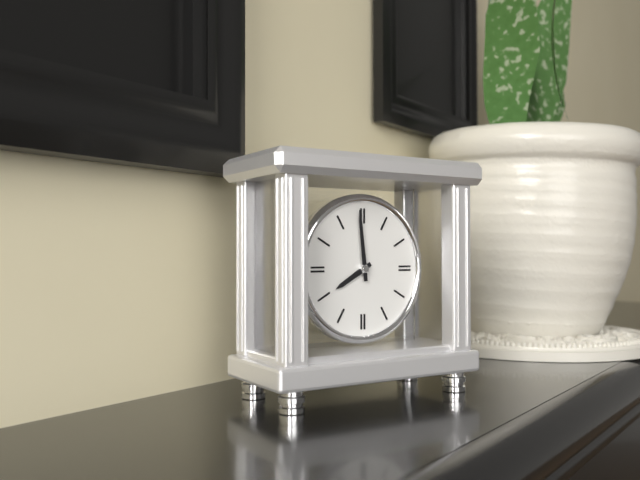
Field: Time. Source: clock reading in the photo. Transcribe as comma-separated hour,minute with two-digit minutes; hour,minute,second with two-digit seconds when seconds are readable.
7,59
